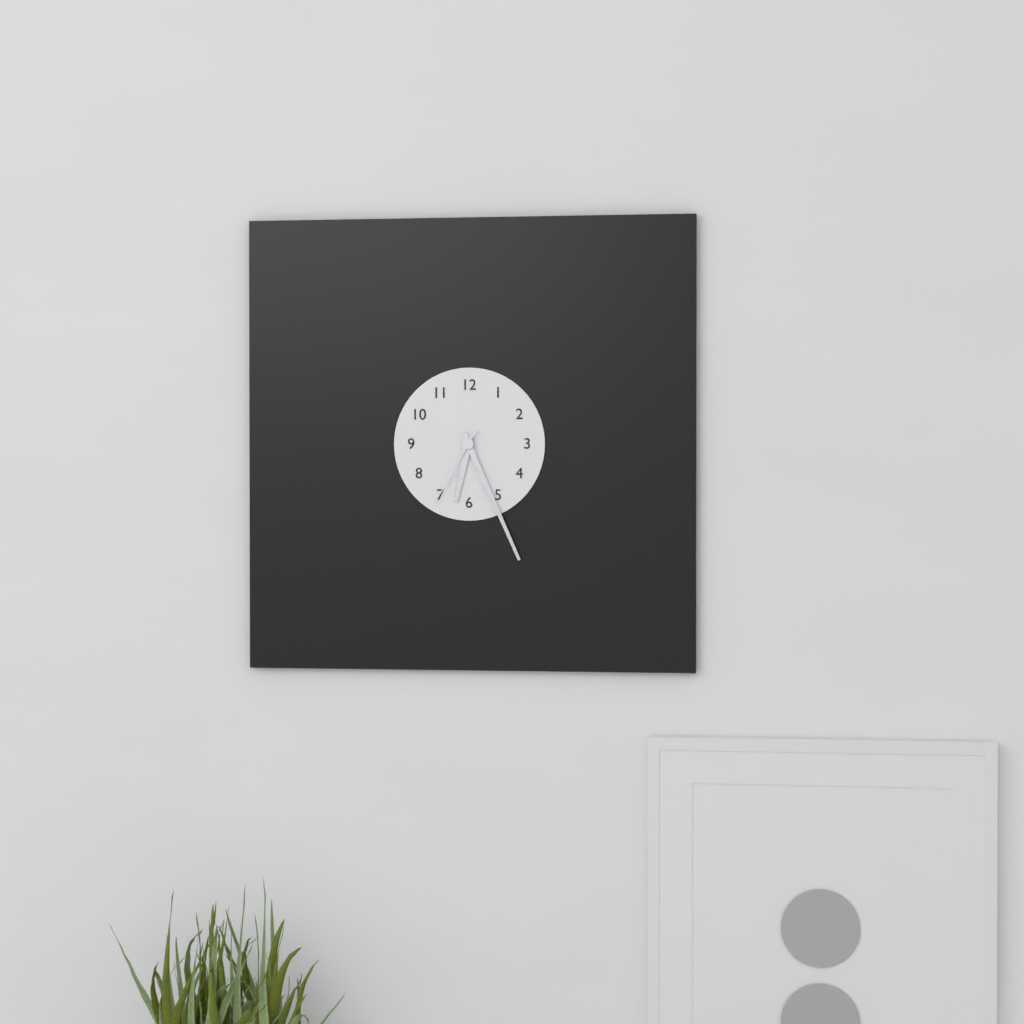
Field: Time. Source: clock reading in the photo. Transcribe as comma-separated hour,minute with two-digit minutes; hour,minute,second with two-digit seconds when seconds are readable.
6,26,35
